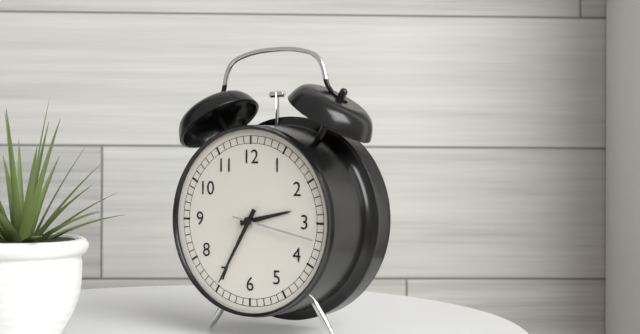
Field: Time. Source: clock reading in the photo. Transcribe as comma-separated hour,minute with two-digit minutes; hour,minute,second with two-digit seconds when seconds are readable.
2,35,17
